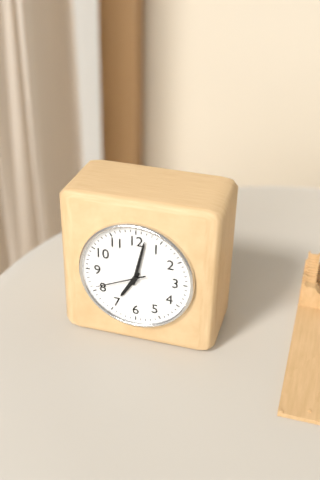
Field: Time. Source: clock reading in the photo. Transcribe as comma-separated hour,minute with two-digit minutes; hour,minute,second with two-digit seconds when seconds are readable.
7,02,41
